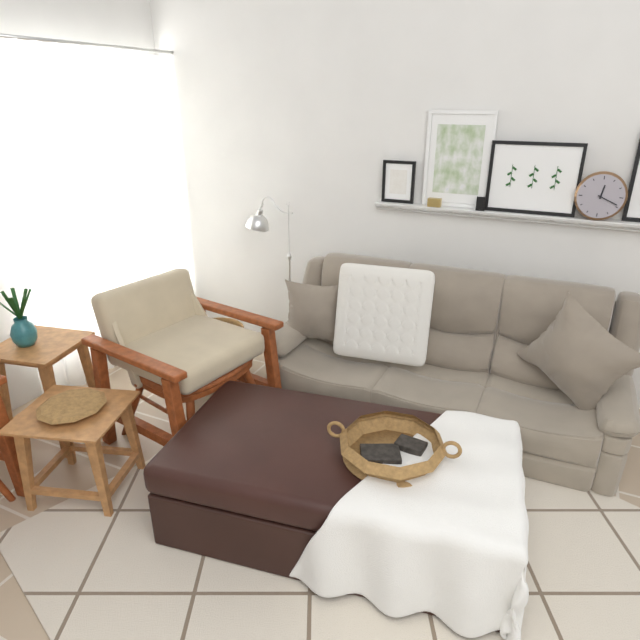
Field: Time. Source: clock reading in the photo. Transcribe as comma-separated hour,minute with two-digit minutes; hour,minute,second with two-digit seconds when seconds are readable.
12,19
